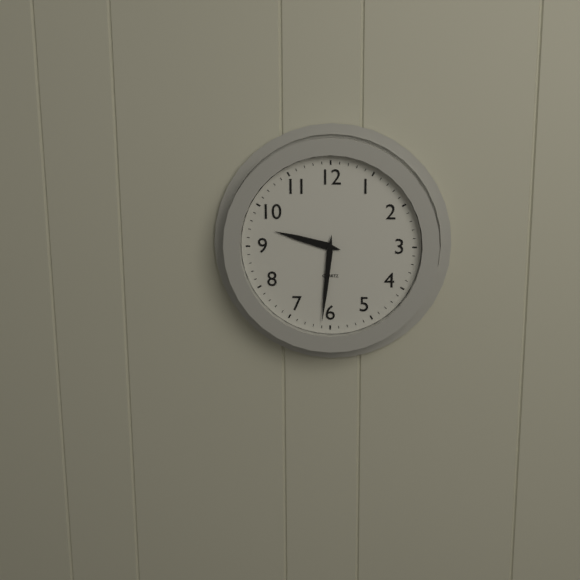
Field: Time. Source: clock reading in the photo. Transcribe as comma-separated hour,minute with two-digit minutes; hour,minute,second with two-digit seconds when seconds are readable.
9,31
